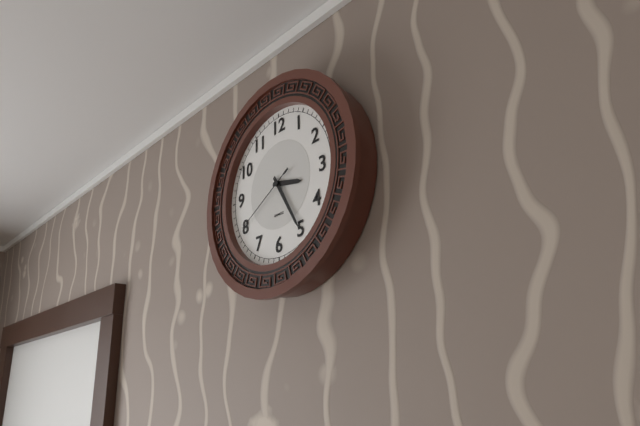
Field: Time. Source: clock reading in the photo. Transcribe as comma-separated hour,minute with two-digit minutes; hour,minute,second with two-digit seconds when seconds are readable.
3,25,40
